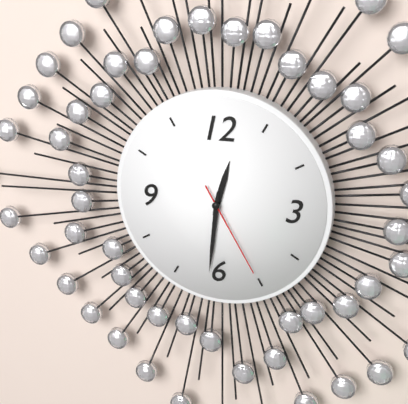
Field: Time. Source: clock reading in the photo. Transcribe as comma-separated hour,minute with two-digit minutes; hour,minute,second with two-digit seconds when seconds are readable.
12,31,25
